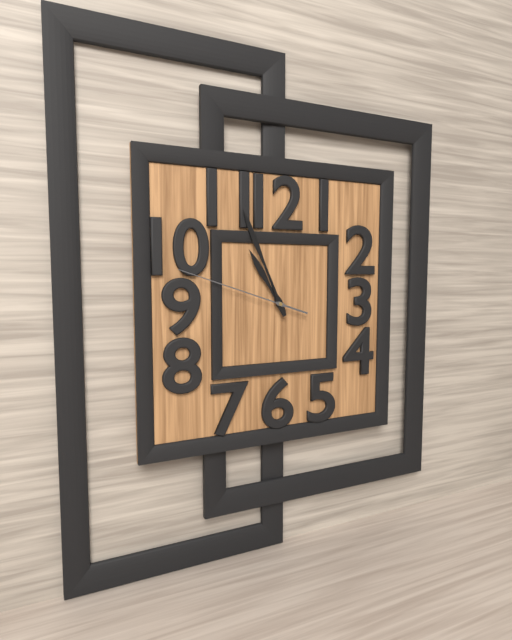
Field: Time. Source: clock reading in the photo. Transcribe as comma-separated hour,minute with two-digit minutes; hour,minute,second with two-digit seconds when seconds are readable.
10,56,48
